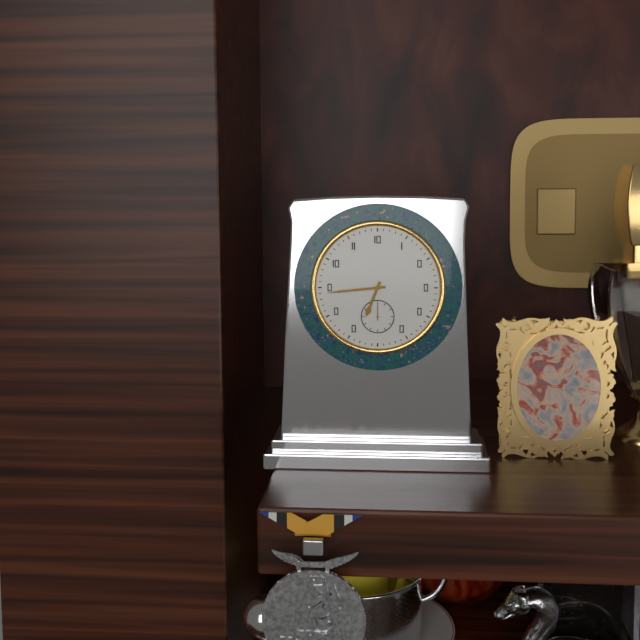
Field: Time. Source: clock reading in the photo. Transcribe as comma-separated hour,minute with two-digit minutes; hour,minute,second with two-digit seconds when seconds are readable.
6,44
